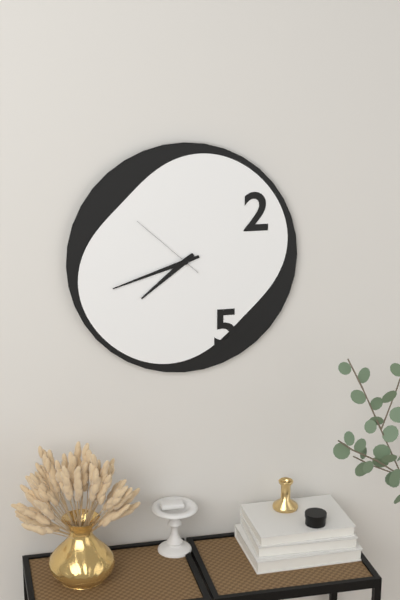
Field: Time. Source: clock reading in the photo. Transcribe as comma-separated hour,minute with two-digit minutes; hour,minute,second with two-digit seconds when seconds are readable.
7,42,52
